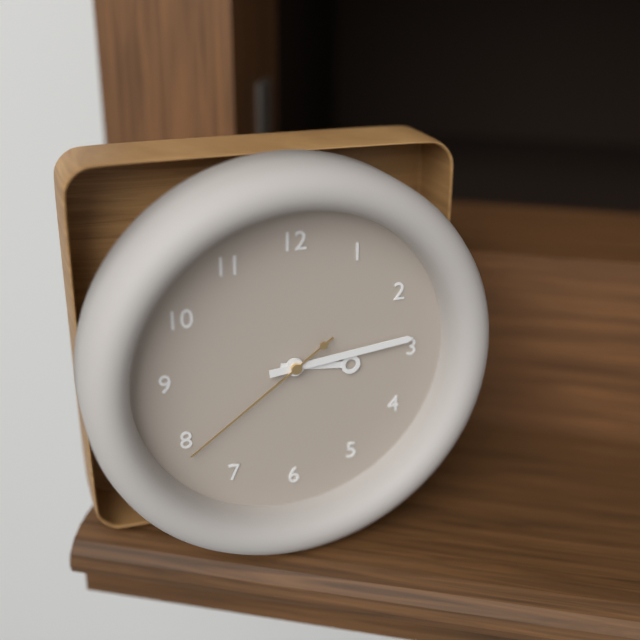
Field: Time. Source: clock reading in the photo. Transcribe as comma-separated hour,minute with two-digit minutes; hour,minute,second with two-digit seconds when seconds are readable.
3,14,39
